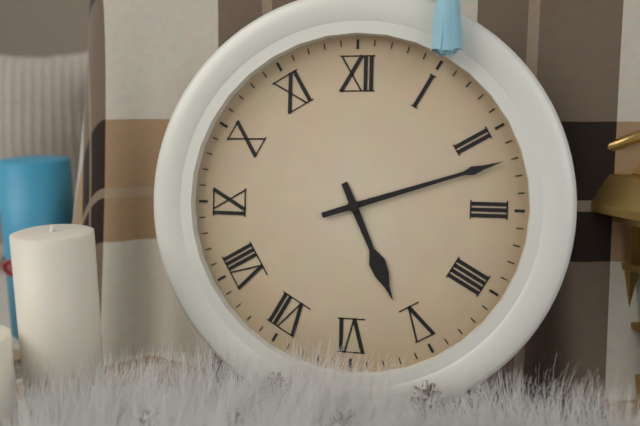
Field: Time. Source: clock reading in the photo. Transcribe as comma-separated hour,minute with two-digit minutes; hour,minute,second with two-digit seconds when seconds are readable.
5,12
